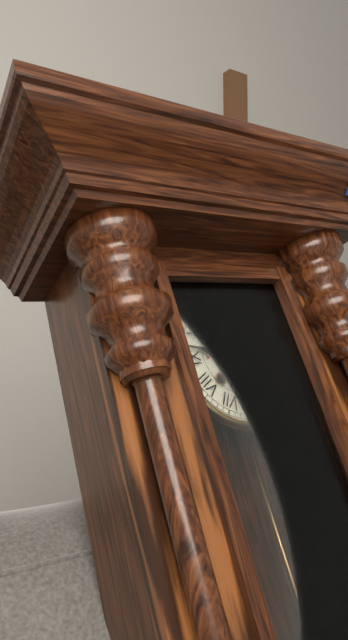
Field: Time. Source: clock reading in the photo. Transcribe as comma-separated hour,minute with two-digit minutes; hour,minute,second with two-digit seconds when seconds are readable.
3,47
